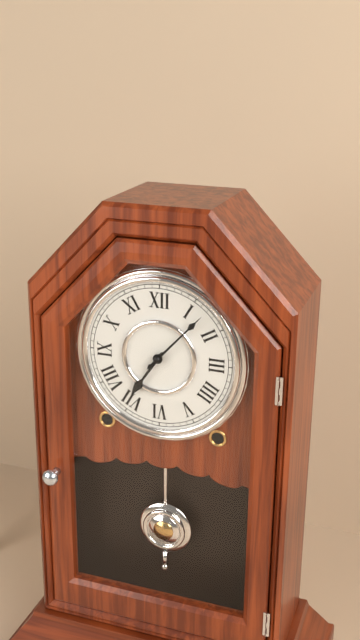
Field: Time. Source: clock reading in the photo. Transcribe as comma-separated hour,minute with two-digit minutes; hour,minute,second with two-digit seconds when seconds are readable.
7,07
